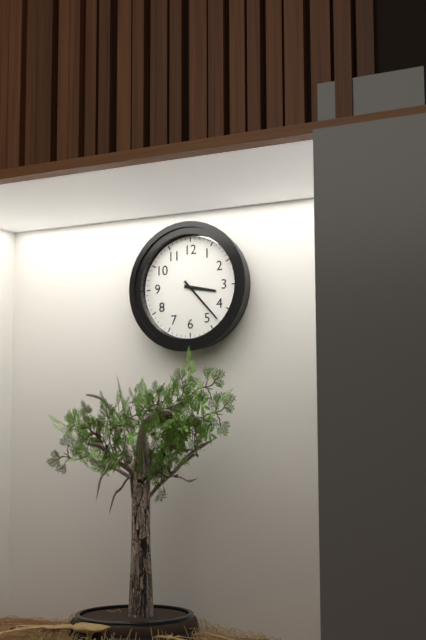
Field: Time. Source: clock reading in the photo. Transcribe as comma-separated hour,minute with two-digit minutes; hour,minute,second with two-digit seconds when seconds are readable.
3,23
